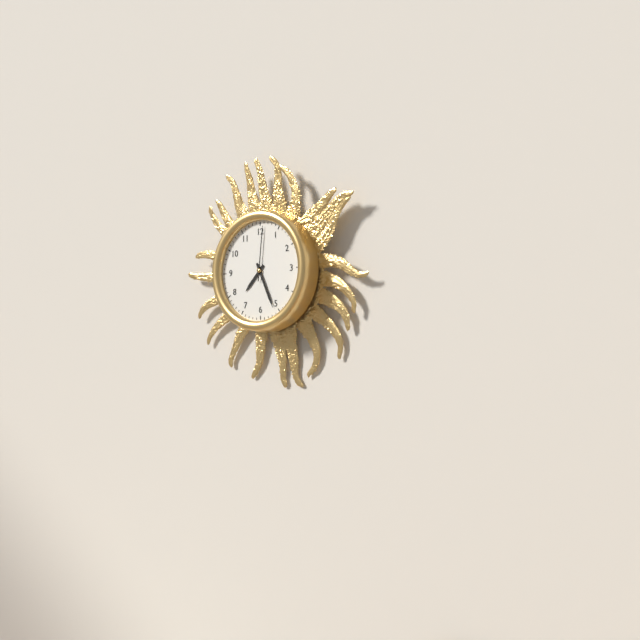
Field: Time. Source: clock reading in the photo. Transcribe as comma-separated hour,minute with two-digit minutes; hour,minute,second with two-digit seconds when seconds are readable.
7,26,01
